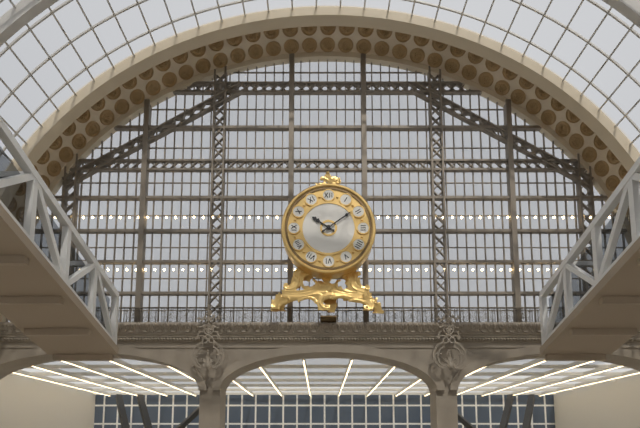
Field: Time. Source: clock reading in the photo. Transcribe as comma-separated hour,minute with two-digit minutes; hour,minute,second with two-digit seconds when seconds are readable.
10,09
